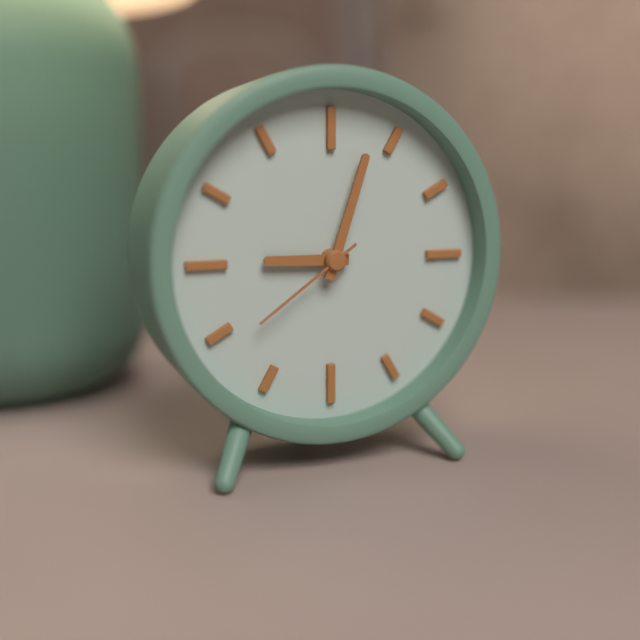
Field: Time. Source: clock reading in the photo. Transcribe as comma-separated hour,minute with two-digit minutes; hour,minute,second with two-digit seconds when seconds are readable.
9,03,39
